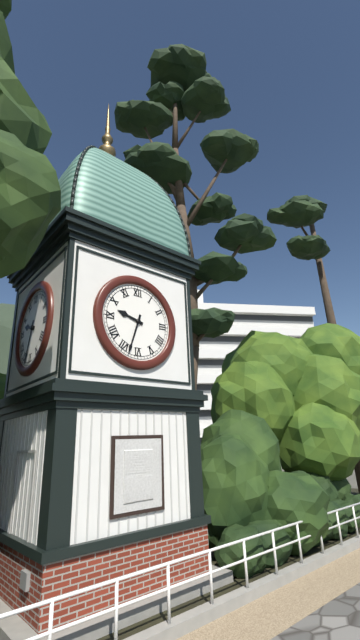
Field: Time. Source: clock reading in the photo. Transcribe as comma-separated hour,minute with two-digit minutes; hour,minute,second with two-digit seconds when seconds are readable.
9,33
